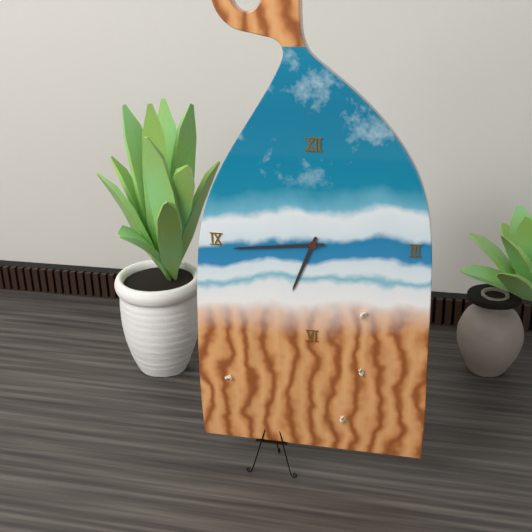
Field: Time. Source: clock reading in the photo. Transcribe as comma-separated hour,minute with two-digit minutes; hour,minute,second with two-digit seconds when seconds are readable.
6,44
